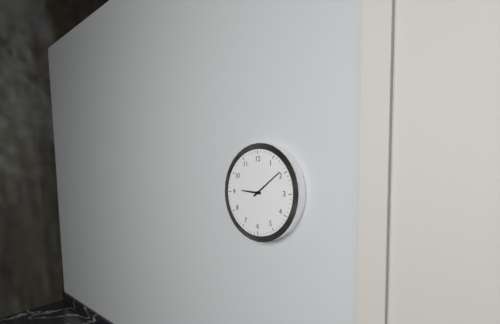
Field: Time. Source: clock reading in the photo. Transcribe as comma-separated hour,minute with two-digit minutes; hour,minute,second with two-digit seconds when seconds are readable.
9,09
